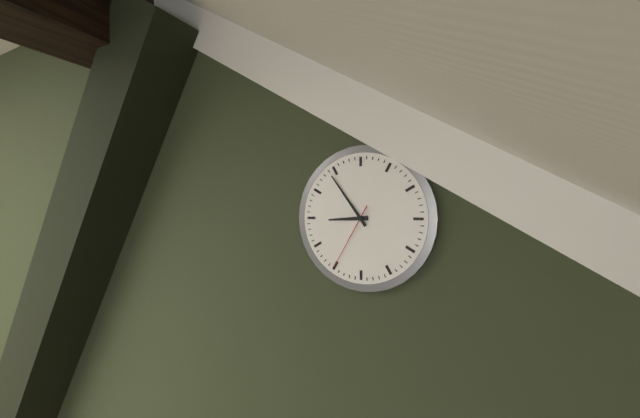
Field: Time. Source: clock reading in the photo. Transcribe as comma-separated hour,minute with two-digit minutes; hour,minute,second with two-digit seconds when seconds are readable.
8,54,35
